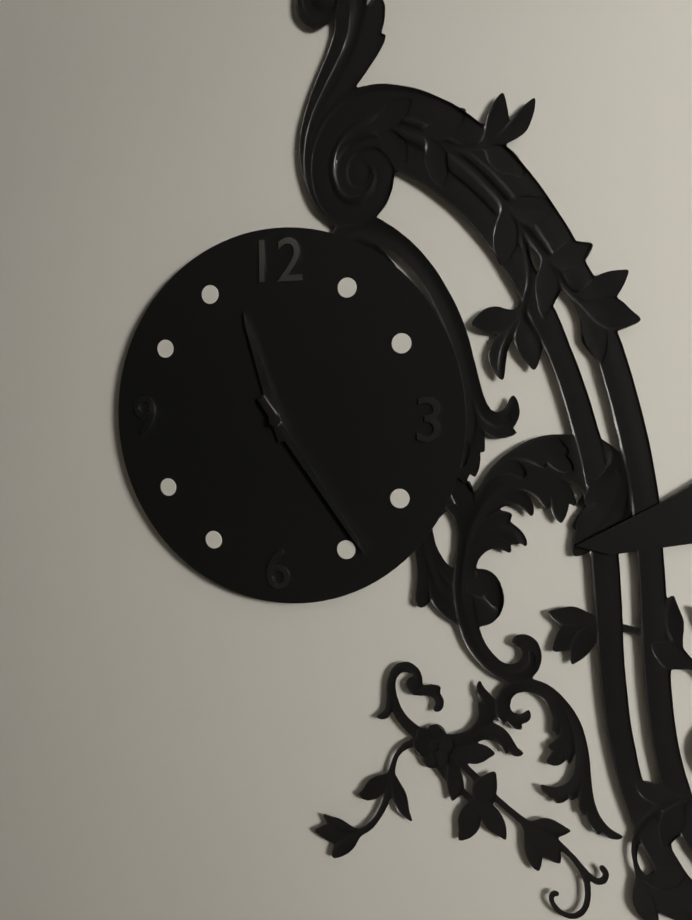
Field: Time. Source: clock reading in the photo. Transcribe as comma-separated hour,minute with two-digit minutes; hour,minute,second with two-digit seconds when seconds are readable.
11,24
